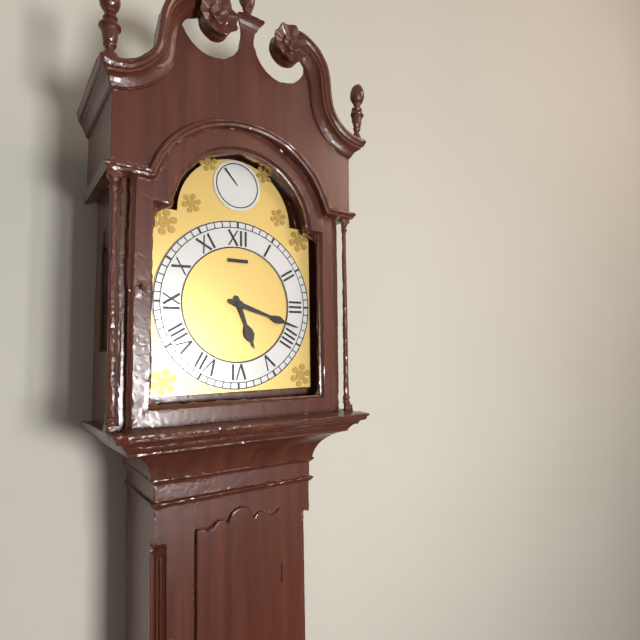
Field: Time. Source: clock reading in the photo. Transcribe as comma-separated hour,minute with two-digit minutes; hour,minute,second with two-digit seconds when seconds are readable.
5,18
